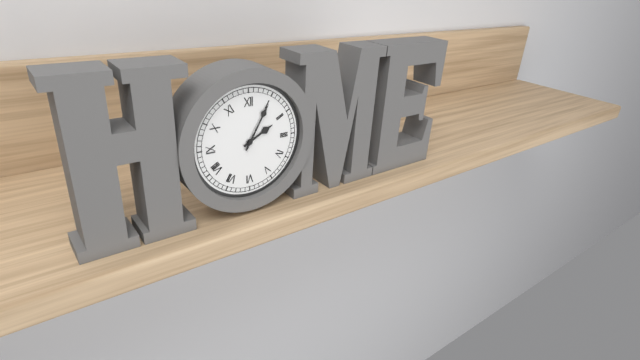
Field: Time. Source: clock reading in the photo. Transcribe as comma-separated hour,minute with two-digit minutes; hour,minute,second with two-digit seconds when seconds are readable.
2,05
